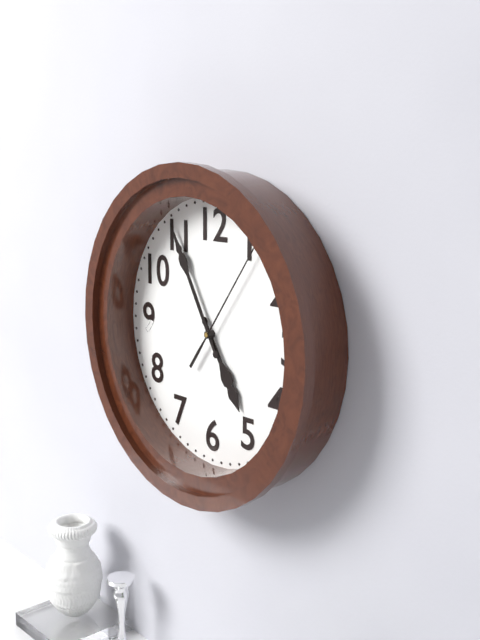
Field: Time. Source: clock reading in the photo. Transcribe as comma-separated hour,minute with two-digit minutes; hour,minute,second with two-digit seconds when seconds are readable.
4,55,06
